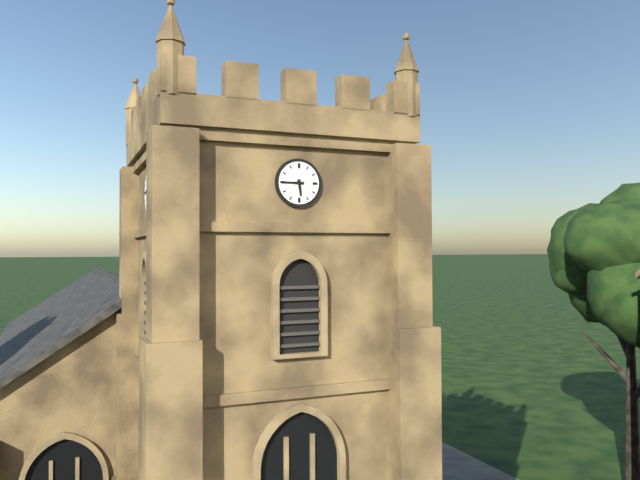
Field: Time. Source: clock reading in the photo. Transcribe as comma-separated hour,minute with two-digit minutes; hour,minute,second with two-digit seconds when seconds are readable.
5,45
